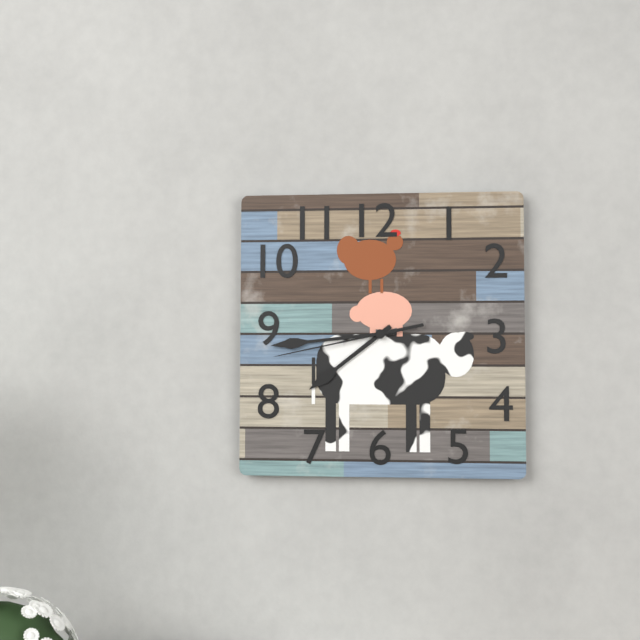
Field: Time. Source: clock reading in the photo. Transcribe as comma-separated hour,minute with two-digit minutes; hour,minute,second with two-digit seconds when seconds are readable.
7,44,43
